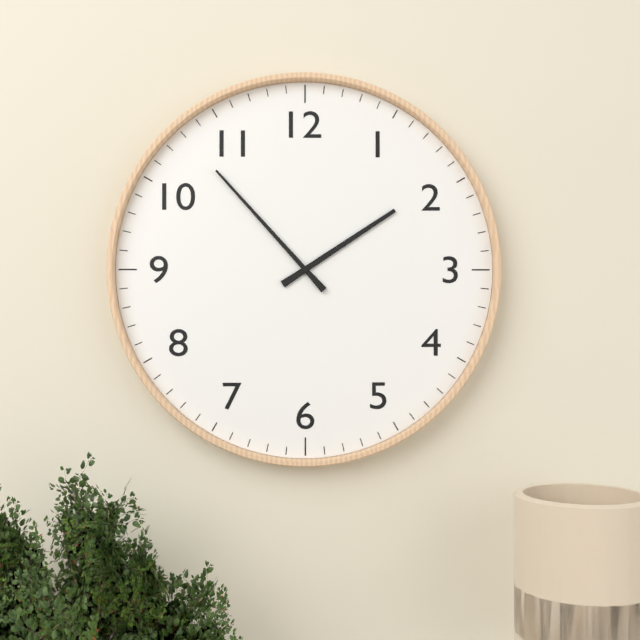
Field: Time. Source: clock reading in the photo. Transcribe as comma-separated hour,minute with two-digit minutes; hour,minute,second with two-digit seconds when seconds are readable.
1,53
